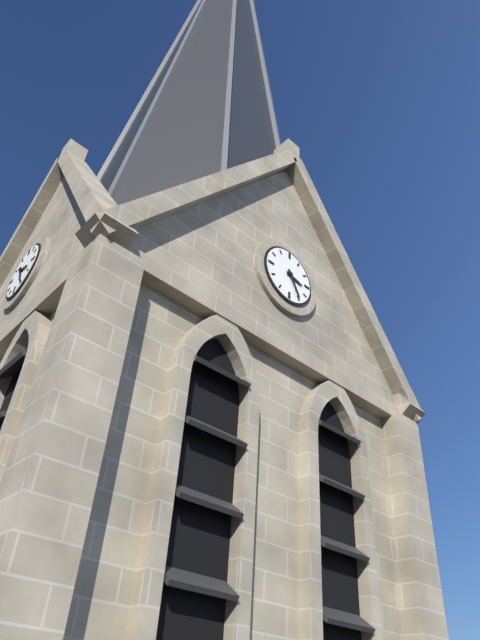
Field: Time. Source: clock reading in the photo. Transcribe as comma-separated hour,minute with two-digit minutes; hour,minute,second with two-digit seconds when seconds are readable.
3,25
